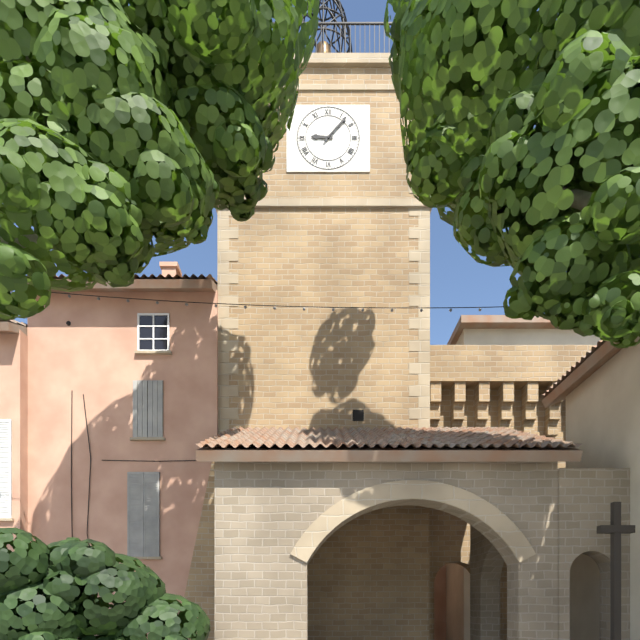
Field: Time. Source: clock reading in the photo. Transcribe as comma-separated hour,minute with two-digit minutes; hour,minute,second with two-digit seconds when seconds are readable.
9,07
